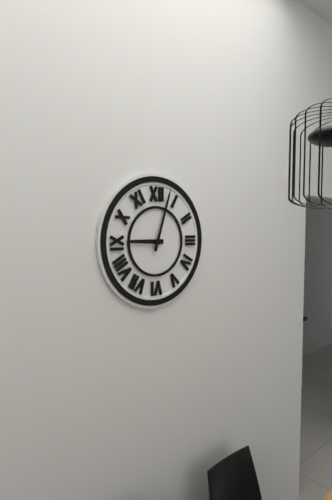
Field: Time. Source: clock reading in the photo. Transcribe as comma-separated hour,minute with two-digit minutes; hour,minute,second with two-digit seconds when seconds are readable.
9,03
